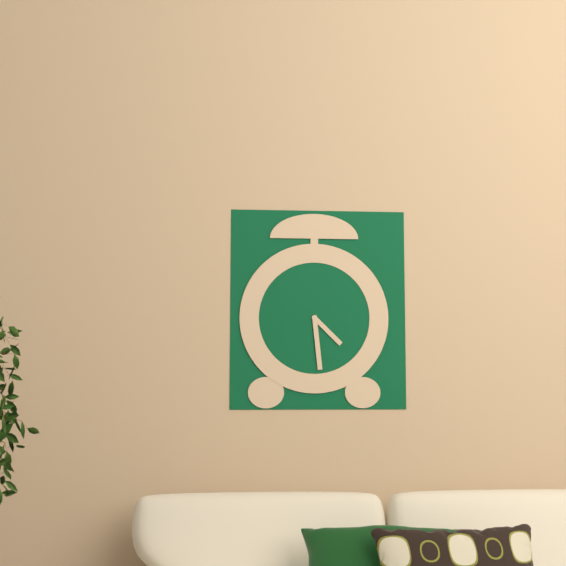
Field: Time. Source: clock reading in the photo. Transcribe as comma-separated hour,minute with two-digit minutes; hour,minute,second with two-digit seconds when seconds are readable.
4,29
